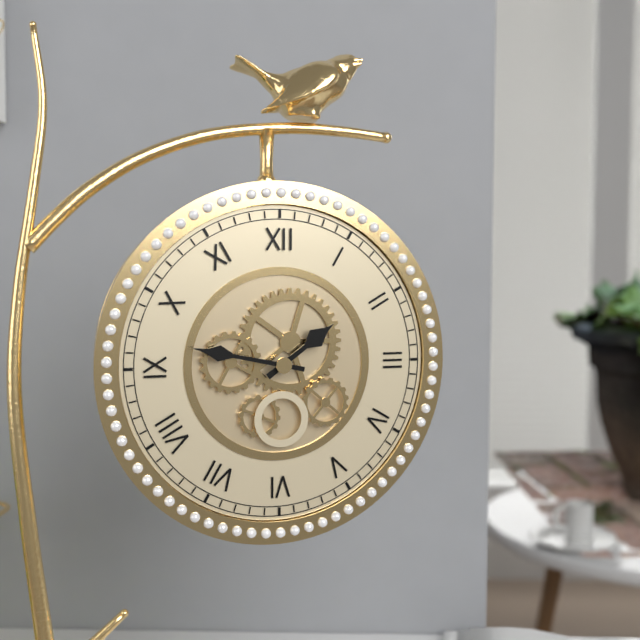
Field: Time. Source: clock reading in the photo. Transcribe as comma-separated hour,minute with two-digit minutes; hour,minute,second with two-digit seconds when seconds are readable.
1,47
